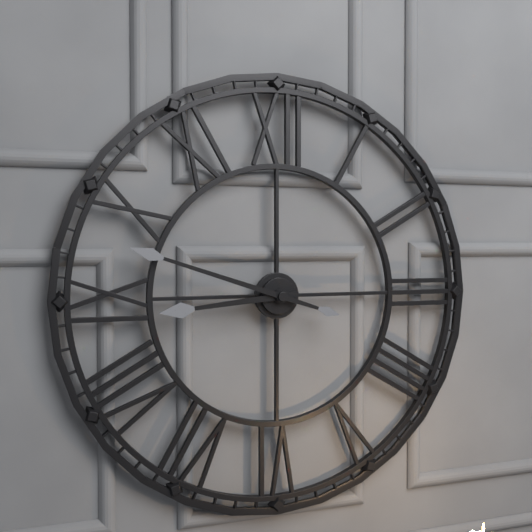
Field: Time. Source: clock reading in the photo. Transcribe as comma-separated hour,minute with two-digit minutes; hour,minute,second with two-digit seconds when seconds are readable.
8,48
